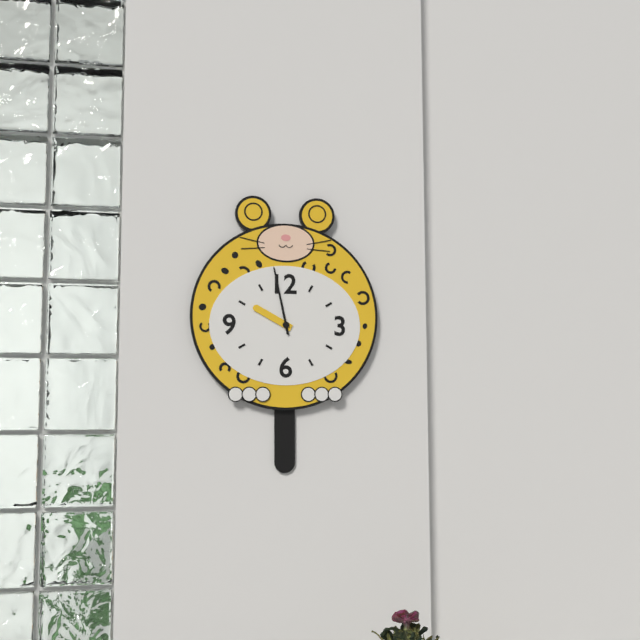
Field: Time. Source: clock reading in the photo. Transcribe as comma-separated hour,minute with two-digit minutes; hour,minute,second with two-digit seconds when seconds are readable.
9,58
